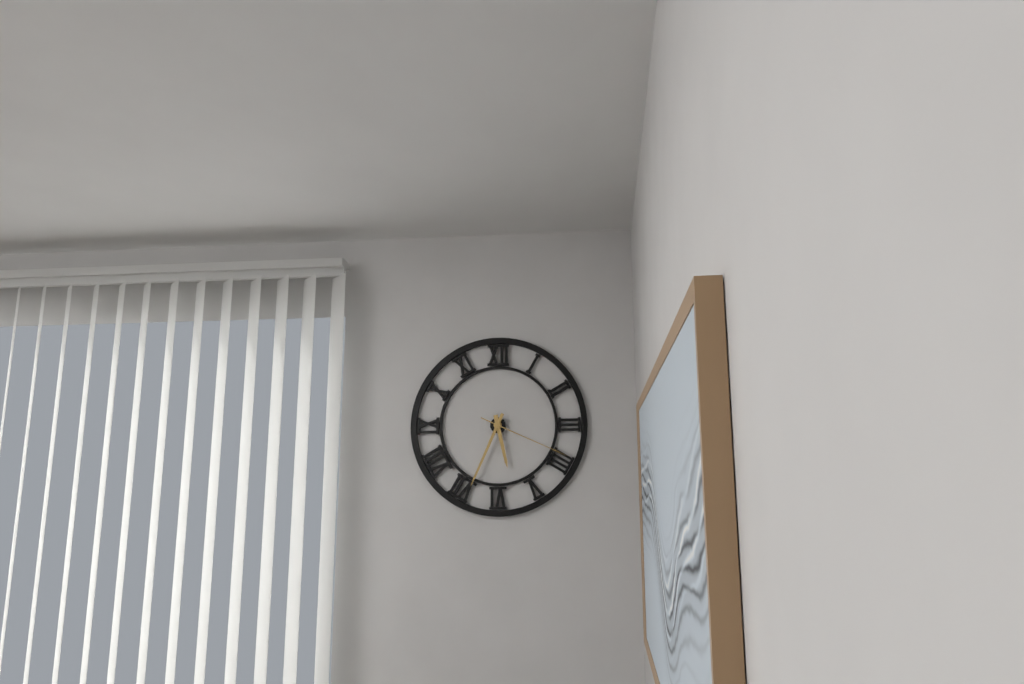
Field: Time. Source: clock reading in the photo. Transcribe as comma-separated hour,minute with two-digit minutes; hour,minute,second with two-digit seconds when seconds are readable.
5,34,19
